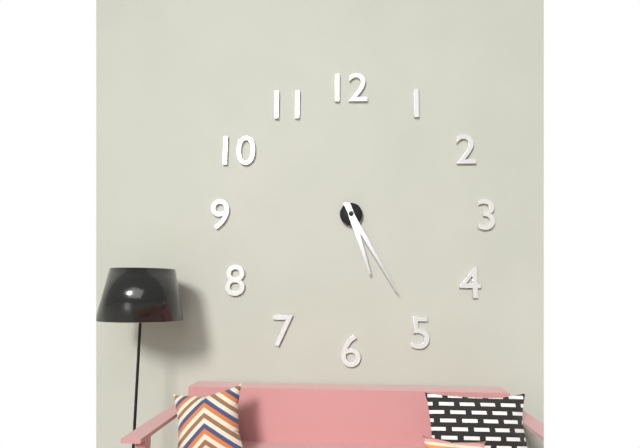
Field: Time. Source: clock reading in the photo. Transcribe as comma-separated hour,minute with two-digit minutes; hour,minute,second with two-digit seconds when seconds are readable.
5,25
